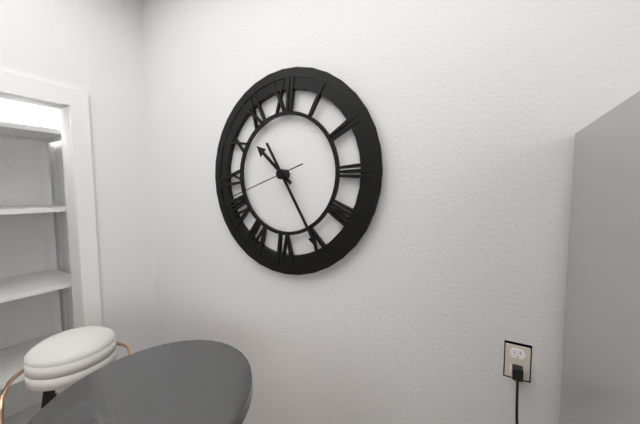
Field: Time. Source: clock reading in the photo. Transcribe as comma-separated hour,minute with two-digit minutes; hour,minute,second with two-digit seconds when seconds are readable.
10,25,42
